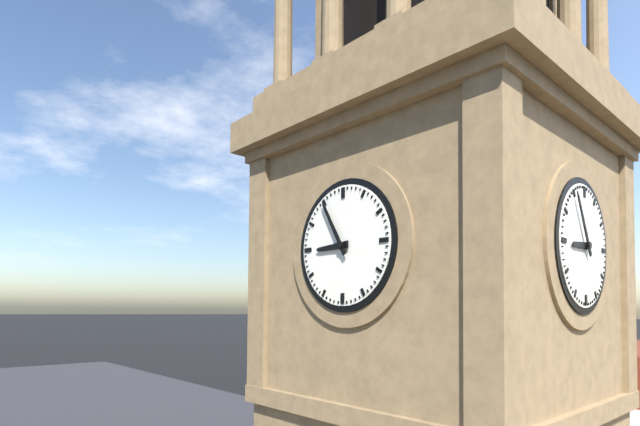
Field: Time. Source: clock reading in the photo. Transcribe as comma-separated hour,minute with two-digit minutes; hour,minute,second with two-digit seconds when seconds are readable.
8,55
